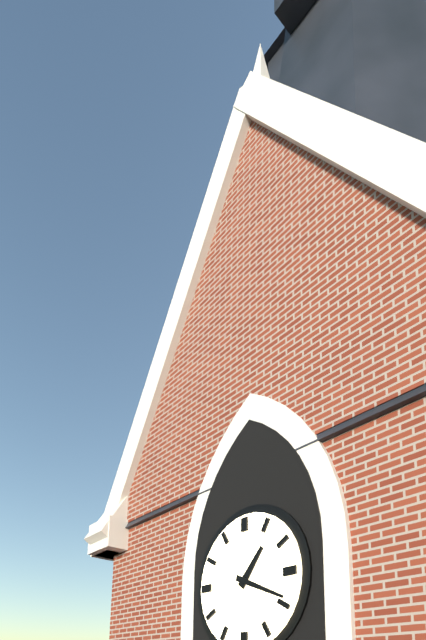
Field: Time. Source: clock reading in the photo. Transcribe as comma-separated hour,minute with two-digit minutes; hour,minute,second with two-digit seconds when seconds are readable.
1,19
